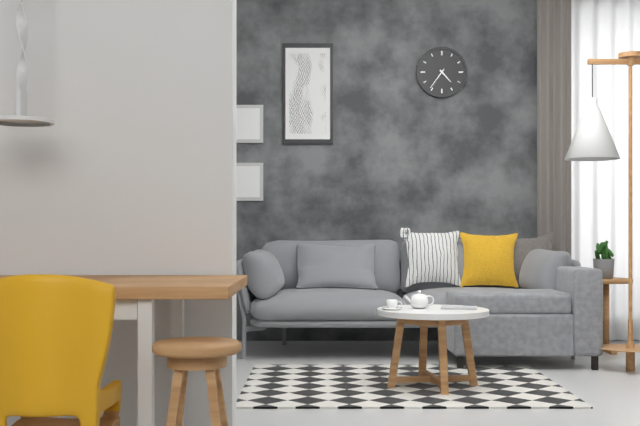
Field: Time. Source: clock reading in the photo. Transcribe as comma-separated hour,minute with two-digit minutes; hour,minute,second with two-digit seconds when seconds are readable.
4,36
